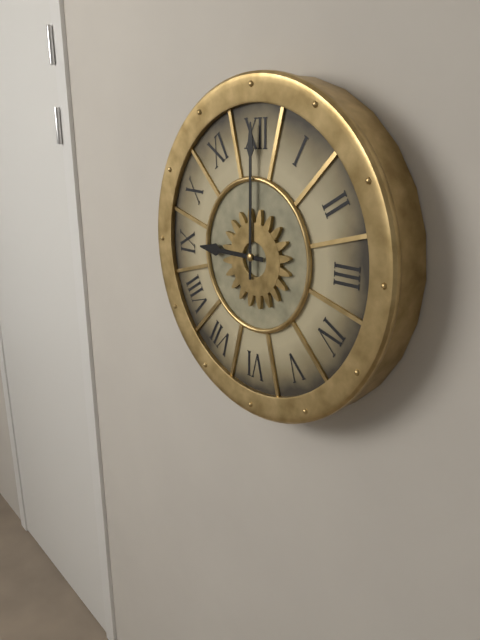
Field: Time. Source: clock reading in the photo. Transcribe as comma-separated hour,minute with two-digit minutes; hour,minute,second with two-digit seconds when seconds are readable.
9,00
